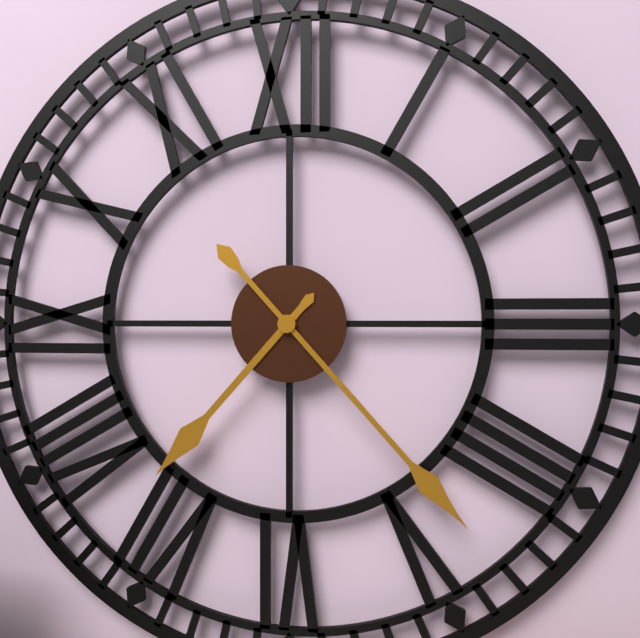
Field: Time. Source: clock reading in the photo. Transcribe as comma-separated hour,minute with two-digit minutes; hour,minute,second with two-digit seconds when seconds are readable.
7,23
